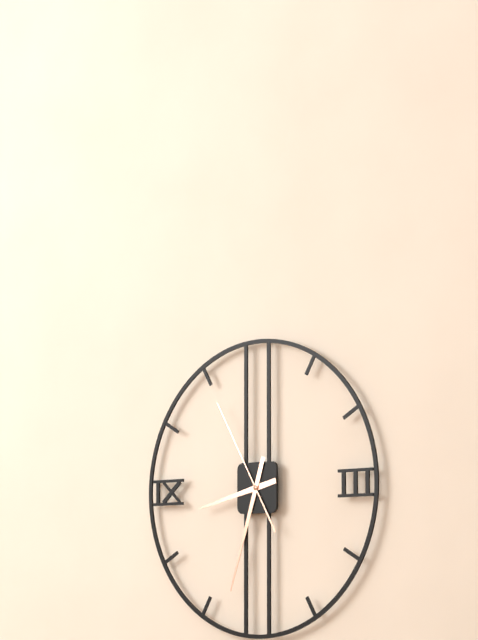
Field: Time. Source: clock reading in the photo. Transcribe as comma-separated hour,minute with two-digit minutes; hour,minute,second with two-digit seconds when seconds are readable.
8,33,55
